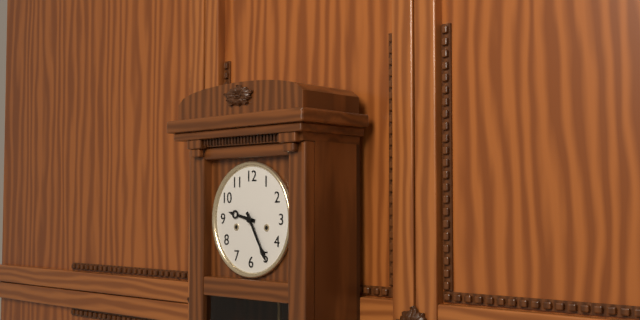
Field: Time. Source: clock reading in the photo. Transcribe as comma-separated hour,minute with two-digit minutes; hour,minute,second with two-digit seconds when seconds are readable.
9,25
